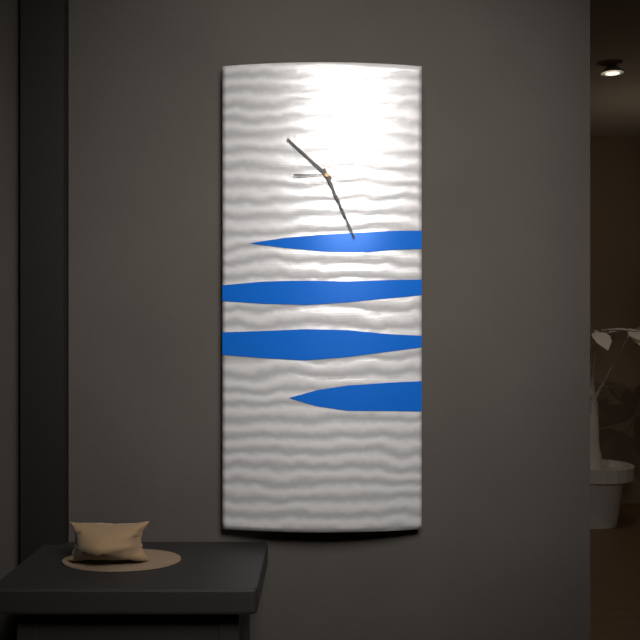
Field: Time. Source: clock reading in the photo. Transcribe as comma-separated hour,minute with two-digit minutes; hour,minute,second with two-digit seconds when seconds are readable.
10,26,15
